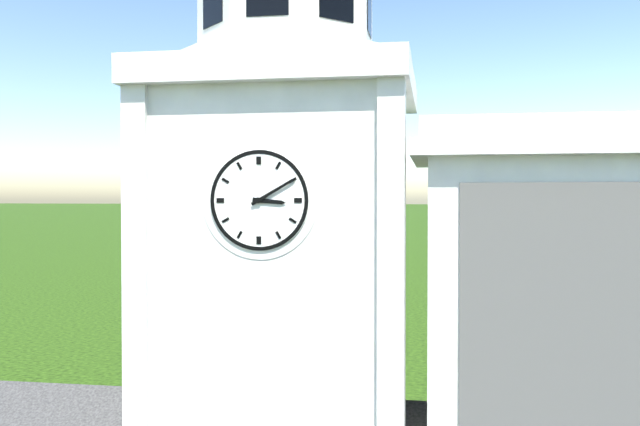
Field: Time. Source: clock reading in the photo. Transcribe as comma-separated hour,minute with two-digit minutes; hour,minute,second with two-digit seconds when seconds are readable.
3,10
